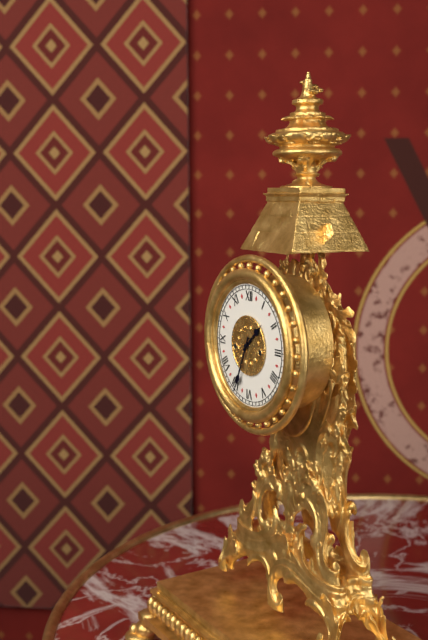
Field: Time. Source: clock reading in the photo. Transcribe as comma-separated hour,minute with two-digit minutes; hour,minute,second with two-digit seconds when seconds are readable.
1,34
